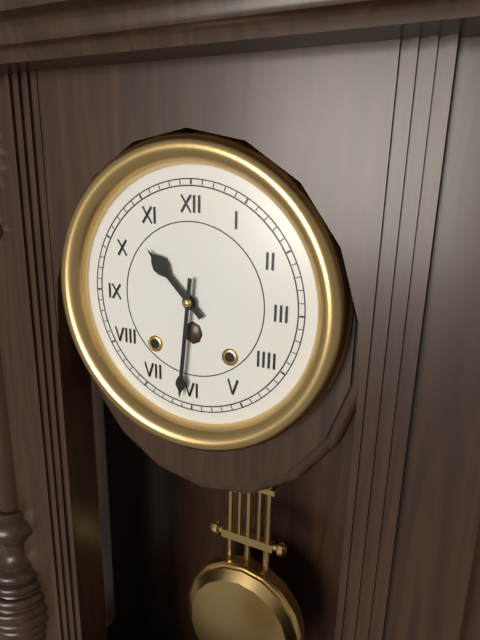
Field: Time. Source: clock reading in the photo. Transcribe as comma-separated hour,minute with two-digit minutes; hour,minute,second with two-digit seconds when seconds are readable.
10,31
